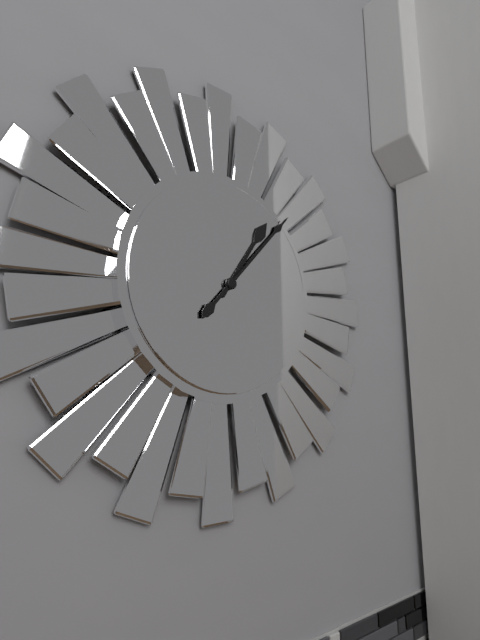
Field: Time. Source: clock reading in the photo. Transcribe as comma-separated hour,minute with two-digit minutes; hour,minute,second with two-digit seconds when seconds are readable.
1,07
